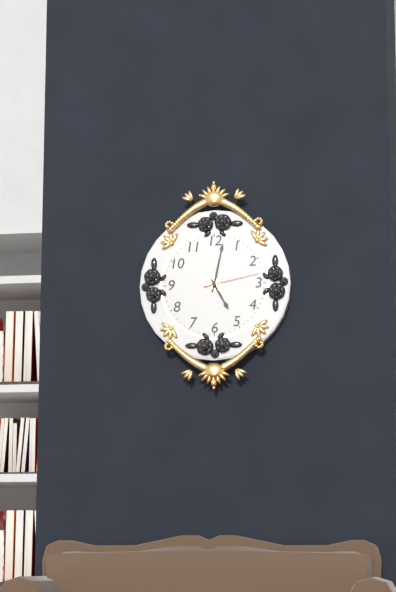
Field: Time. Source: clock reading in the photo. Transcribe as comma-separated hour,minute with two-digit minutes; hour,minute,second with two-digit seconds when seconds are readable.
5,02,13
